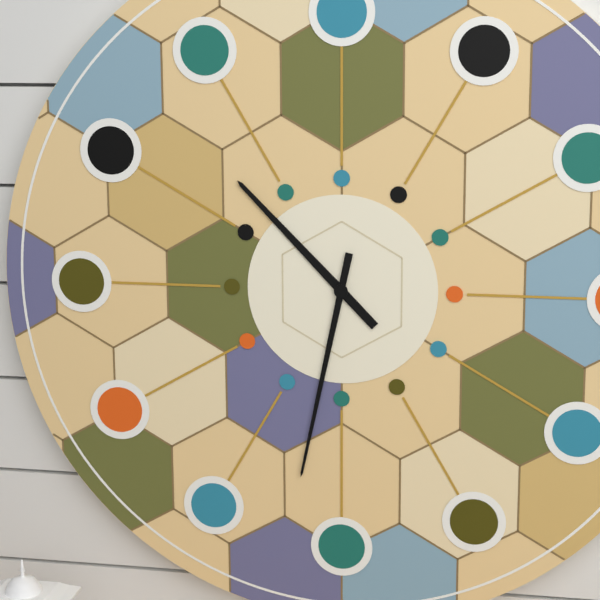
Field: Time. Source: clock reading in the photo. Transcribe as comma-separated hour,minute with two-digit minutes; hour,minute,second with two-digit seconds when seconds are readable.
10,32
